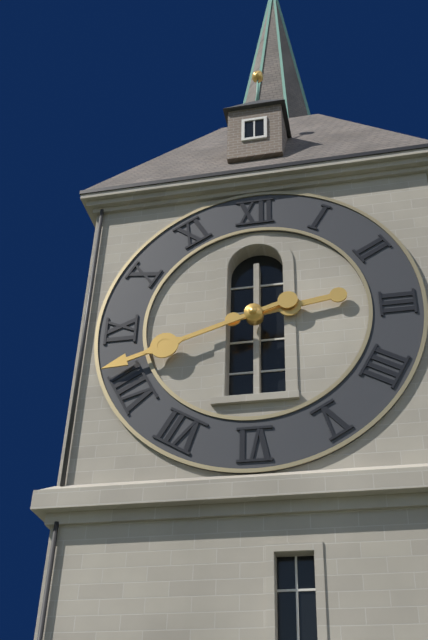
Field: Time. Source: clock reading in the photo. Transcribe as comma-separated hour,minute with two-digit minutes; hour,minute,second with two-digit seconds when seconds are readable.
2,42
